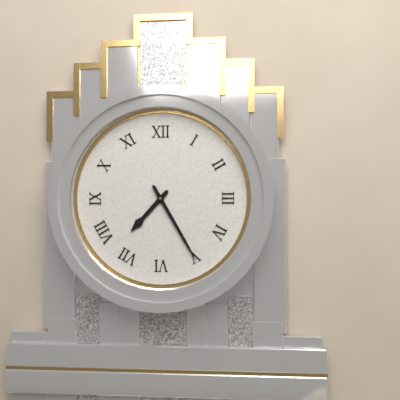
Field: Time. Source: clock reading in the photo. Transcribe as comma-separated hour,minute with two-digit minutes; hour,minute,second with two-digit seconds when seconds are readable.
7,25
